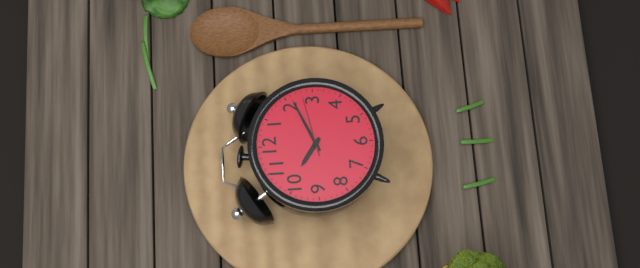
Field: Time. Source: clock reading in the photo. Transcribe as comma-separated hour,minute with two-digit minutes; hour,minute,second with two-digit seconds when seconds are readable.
10,11,13
